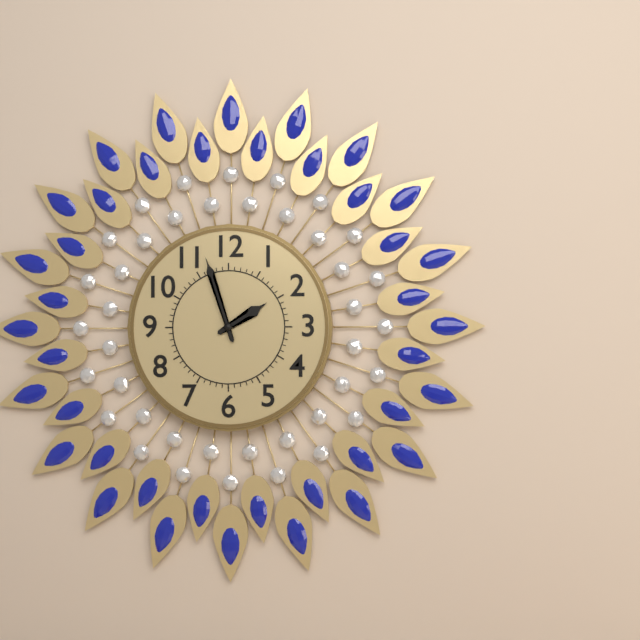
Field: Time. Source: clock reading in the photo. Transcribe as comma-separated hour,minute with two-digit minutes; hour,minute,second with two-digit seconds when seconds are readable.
1,57
